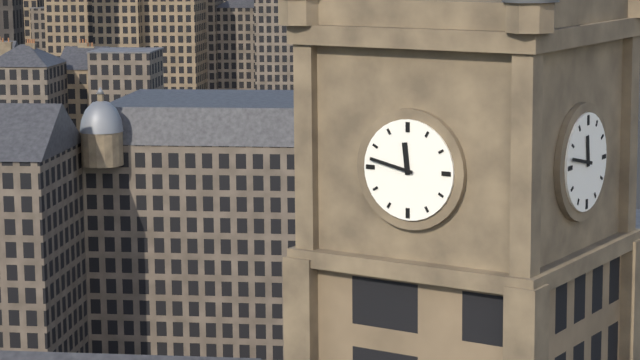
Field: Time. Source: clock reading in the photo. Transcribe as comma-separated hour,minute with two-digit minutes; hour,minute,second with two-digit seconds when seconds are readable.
11,47
